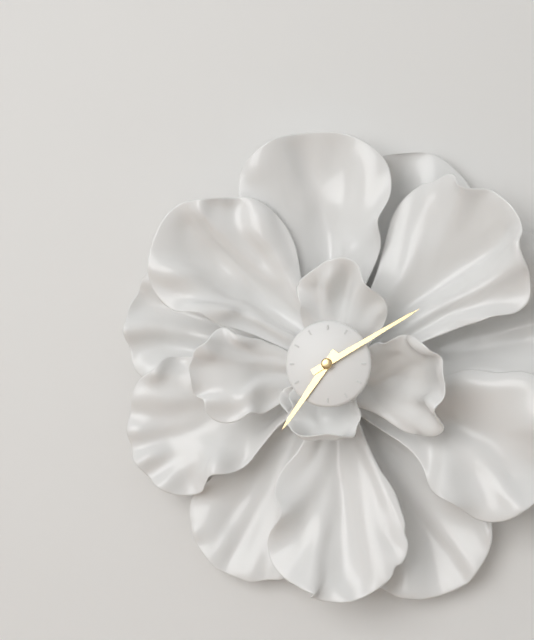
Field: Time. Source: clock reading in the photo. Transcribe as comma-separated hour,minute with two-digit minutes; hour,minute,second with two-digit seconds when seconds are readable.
7,10
